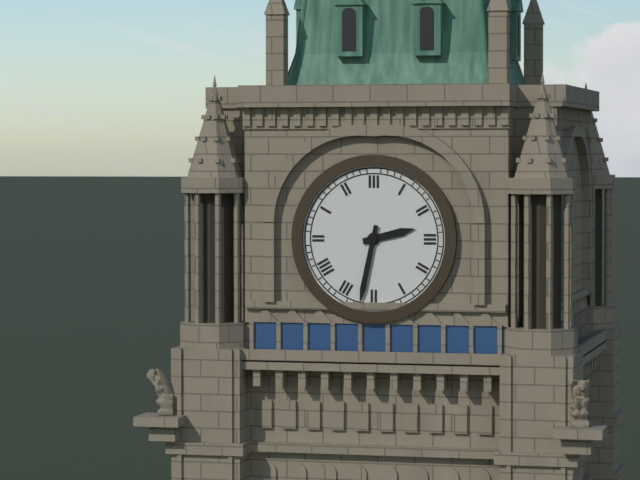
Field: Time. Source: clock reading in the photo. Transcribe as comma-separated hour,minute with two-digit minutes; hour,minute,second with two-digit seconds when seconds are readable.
2,32
